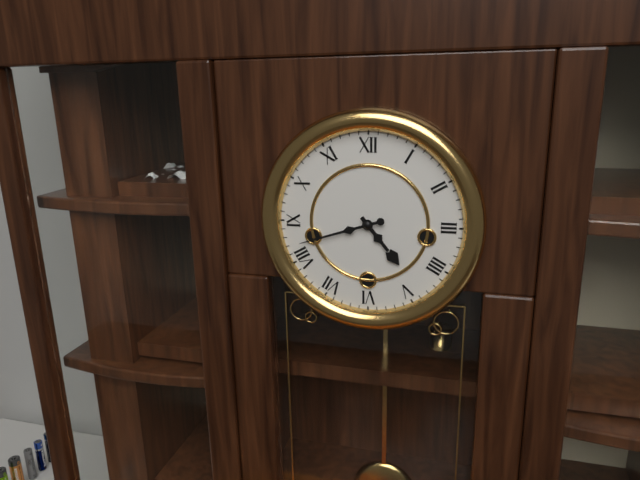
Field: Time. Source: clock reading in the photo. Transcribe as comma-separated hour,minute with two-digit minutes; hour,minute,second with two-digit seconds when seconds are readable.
4,42
